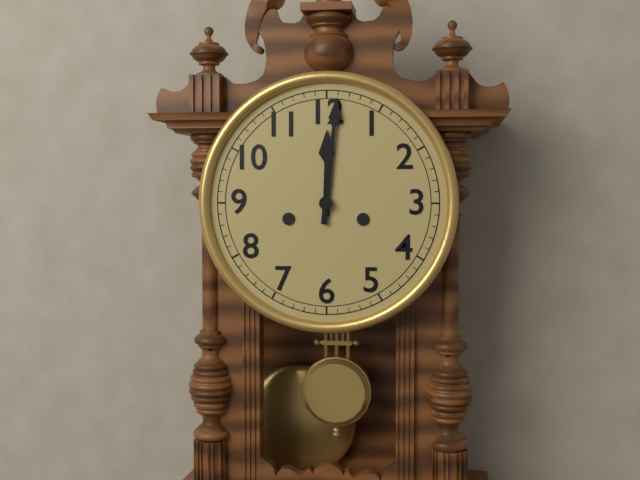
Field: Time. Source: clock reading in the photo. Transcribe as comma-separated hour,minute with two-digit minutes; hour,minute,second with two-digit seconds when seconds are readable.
12,01
